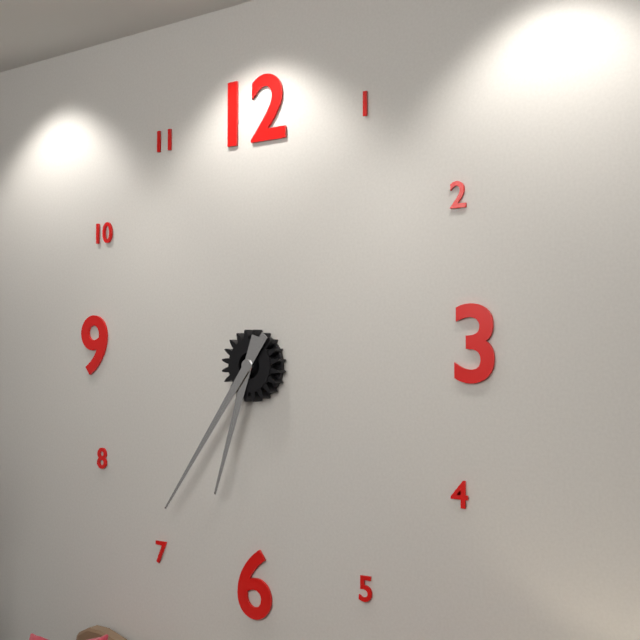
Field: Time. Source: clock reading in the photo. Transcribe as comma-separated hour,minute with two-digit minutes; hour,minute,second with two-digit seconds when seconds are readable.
6,36
